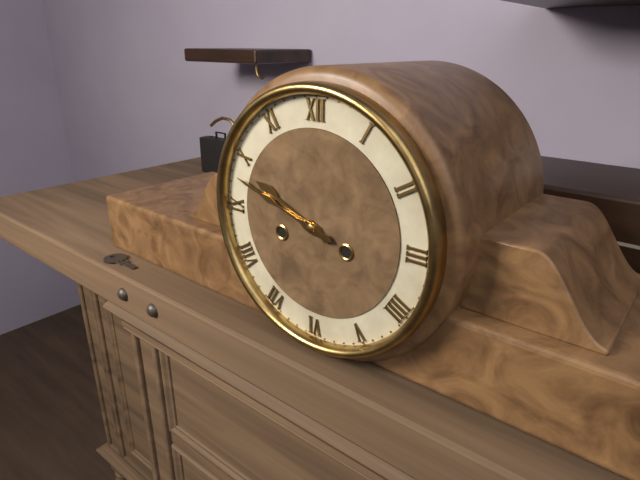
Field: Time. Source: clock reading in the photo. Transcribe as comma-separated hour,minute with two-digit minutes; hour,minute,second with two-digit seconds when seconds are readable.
9,48
